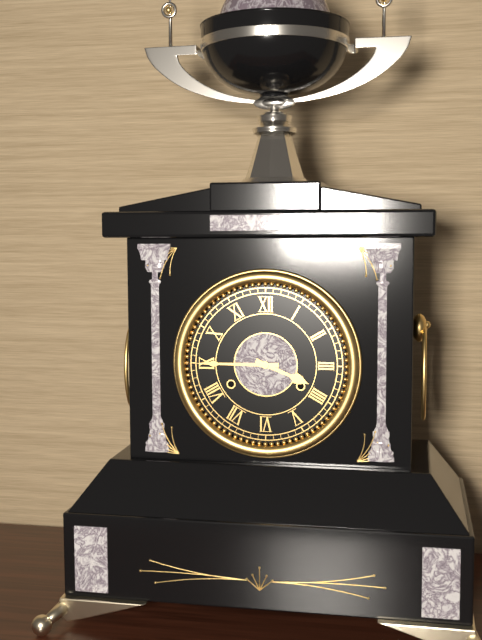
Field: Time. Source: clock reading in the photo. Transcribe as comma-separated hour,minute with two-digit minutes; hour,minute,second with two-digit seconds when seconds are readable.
3,45
